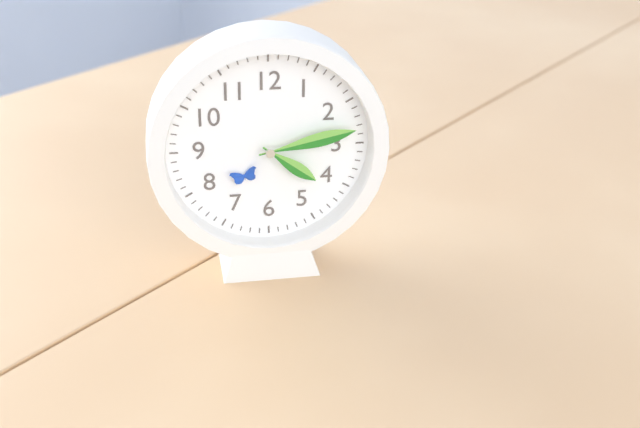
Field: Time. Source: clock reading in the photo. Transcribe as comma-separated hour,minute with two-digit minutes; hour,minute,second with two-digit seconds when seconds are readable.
4,13
